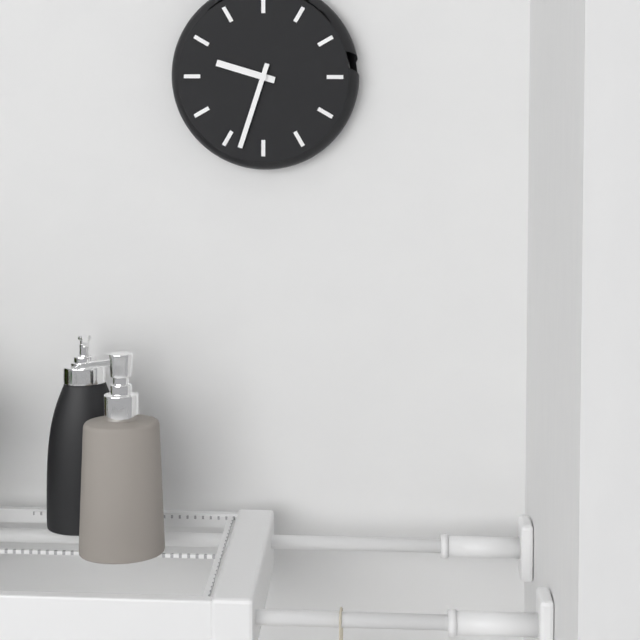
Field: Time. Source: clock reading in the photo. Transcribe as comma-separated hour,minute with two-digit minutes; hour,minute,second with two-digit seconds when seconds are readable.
9,33
